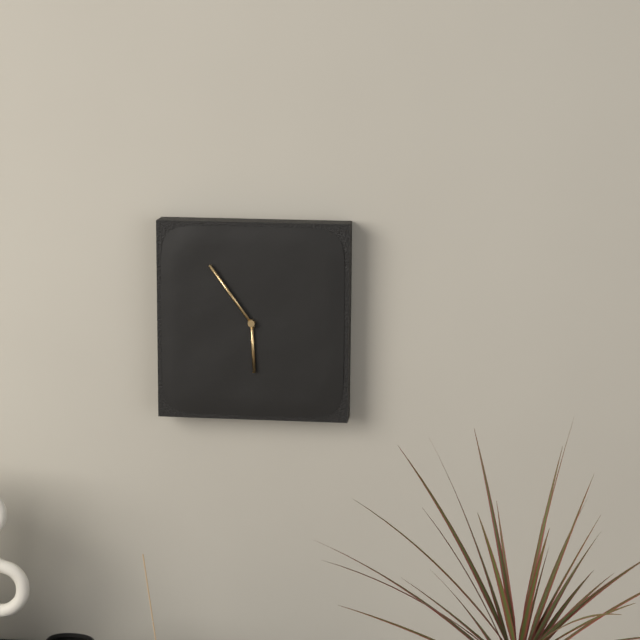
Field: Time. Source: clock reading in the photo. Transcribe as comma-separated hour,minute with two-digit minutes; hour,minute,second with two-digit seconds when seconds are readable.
5,54
